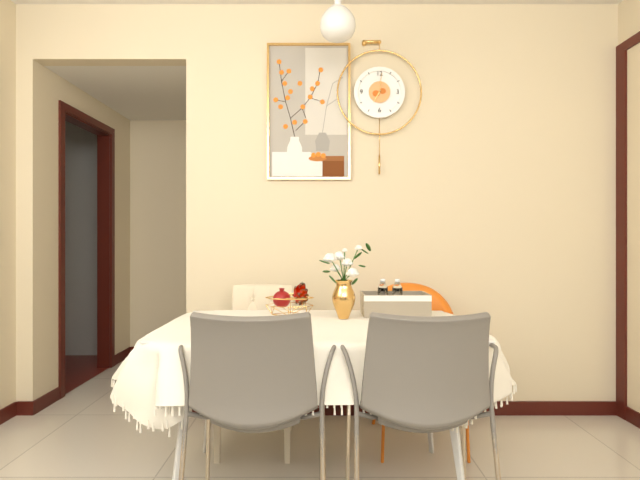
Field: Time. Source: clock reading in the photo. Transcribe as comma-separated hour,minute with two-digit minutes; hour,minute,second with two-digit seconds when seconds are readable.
7,01
